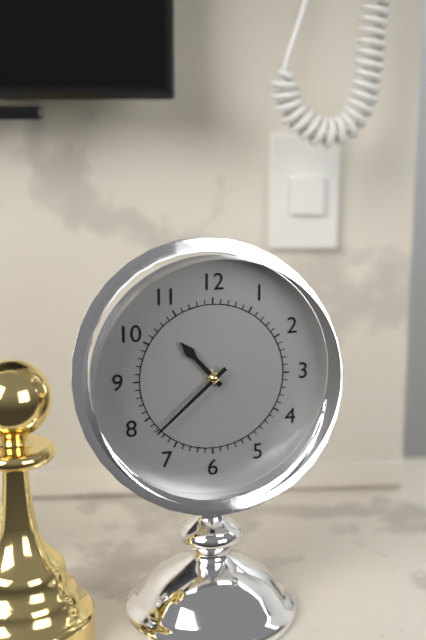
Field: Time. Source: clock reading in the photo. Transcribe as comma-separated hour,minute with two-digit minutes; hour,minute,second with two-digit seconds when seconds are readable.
10,38
